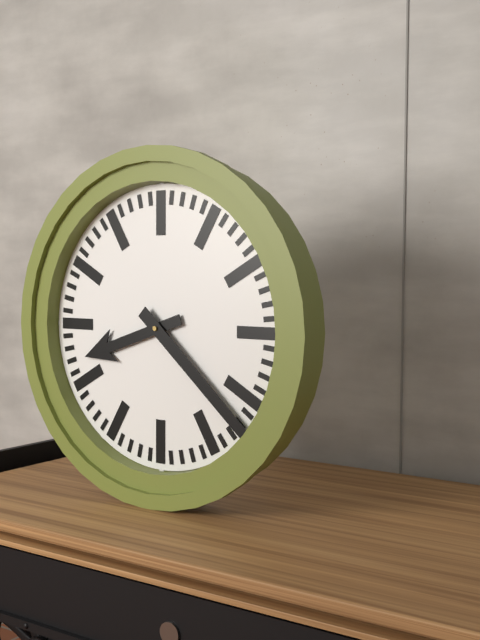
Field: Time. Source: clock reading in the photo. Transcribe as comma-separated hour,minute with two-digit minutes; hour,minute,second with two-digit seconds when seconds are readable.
8,22
